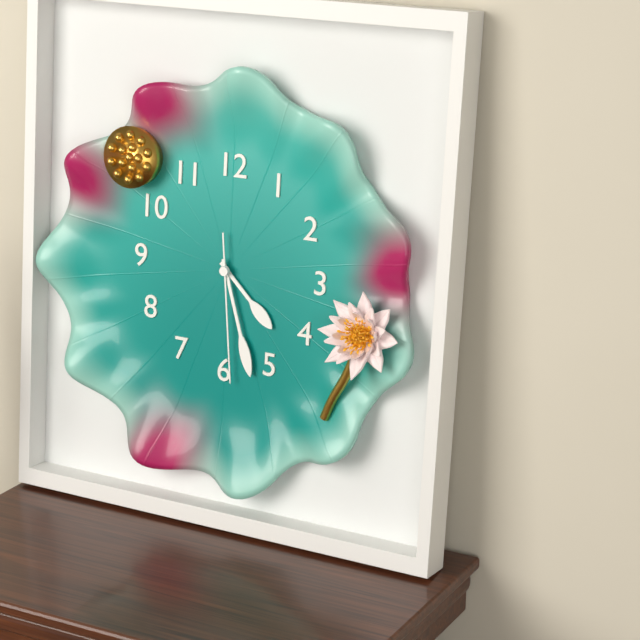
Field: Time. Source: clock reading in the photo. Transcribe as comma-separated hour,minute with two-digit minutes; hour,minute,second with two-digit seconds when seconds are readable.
4,27,29
